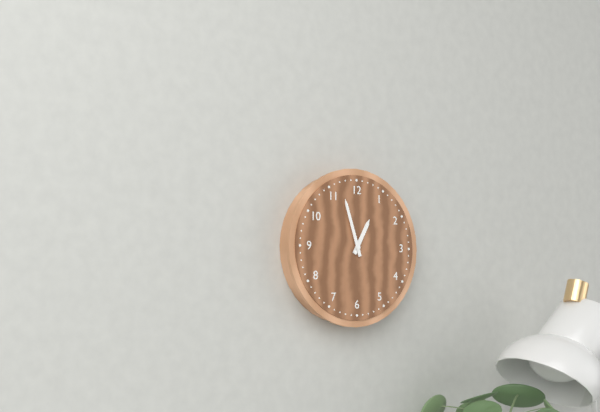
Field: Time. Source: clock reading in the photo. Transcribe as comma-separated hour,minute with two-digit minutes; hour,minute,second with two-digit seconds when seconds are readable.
12,57
